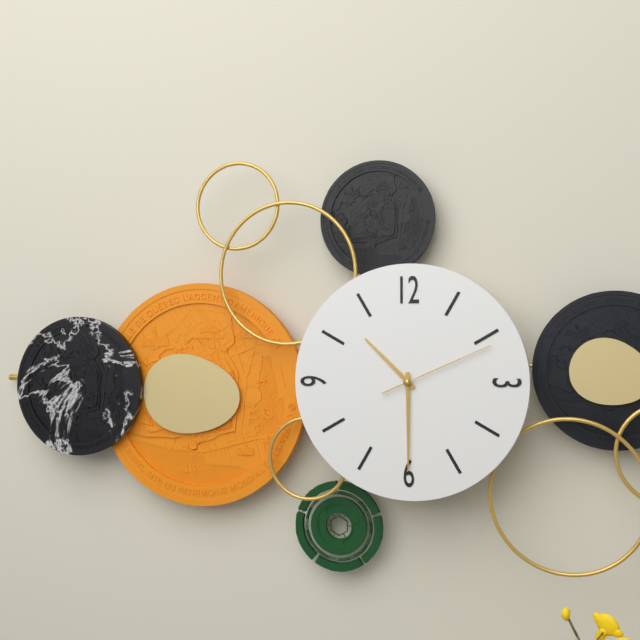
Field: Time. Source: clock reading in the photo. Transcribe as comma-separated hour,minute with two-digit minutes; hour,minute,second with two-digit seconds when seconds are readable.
10,30,11
